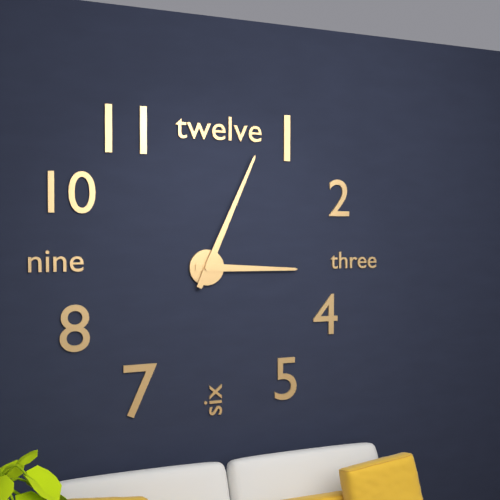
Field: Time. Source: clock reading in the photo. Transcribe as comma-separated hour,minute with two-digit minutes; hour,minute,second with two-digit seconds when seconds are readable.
3,04
